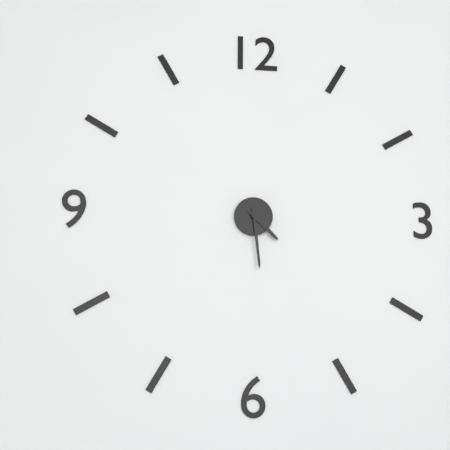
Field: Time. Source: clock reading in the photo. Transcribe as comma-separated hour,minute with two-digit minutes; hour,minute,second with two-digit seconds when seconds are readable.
4,29
